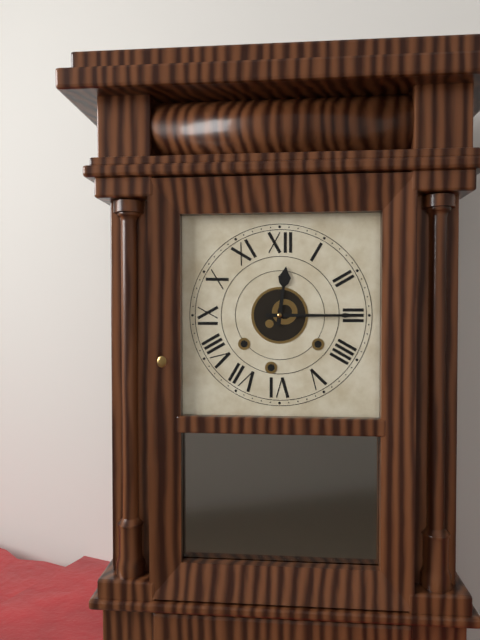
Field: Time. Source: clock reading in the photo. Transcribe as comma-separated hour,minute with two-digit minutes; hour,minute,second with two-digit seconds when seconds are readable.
12,15
